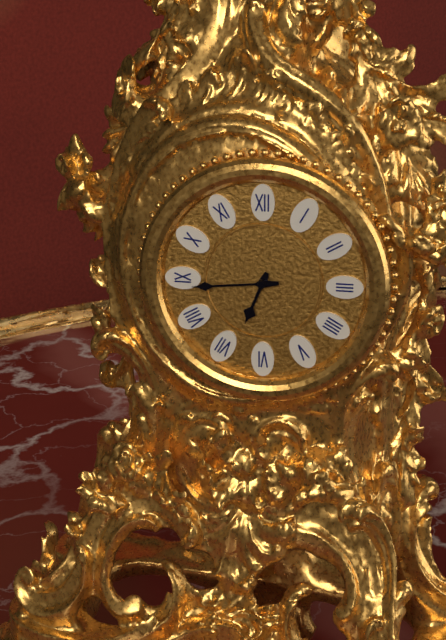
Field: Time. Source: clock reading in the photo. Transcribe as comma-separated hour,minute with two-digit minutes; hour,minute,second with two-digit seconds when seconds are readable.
6,44
